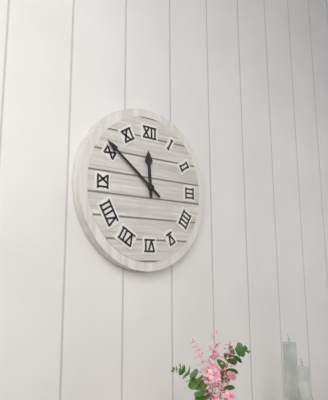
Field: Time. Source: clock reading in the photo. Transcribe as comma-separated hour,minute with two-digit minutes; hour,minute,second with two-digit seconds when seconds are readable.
11,51
